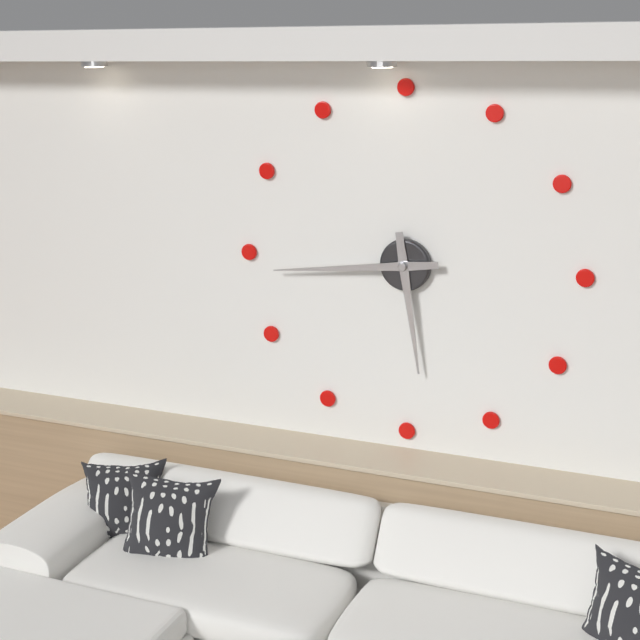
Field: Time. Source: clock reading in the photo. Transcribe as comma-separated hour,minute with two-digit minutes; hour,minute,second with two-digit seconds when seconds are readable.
5,44
